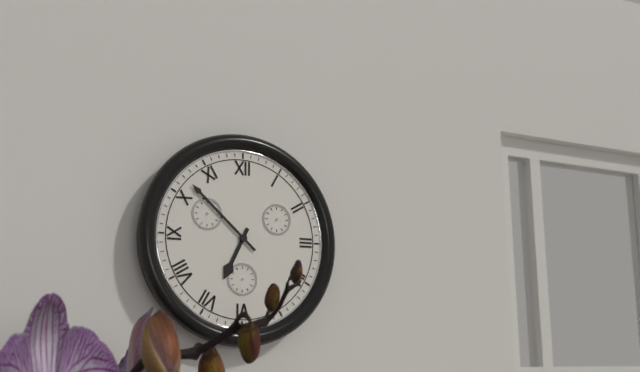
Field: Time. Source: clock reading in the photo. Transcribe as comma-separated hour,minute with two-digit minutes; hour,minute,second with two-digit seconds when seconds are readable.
6,52
